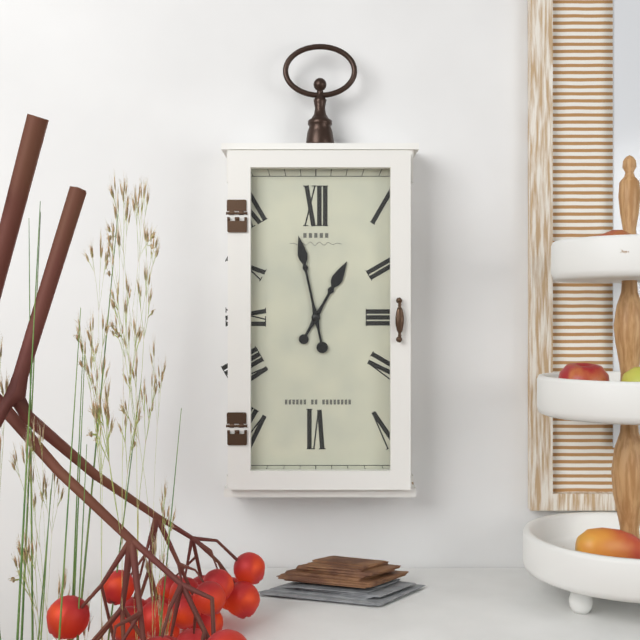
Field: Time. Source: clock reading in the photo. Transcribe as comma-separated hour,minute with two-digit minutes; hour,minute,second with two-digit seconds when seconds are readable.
12,58
